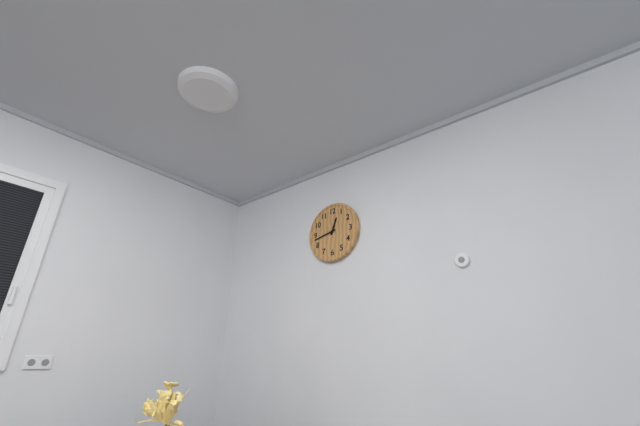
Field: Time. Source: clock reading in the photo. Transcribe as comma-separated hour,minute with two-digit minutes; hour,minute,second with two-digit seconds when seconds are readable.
12,43
